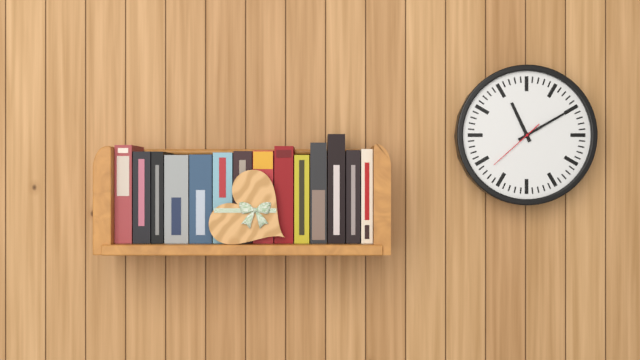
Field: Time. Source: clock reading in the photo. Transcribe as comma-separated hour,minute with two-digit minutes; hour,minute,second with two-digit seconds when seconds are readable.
11,10,38
